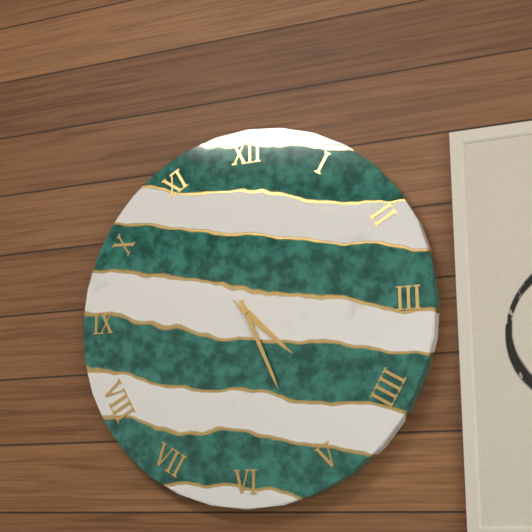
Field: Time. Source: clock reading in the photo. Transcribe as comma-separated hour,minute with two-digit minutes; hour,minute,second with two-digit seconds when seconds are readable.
4,26,22
